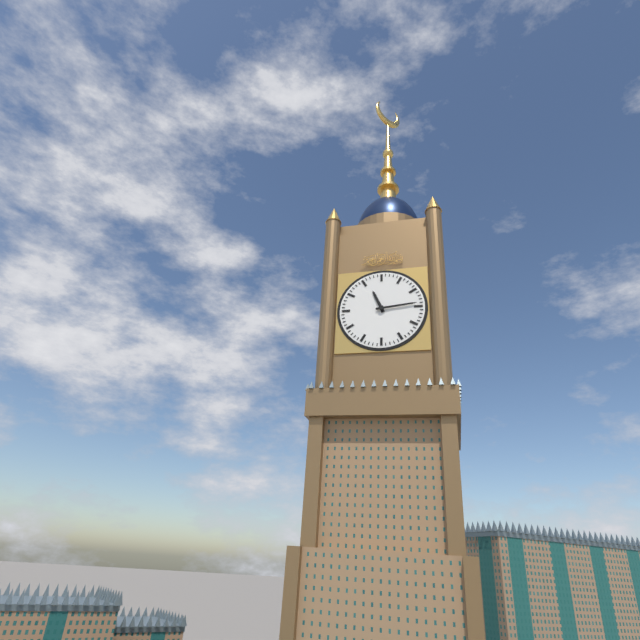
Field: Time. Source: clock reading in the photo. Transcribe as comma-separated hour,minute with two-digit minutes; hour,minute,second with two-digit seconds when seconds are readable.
11,14
